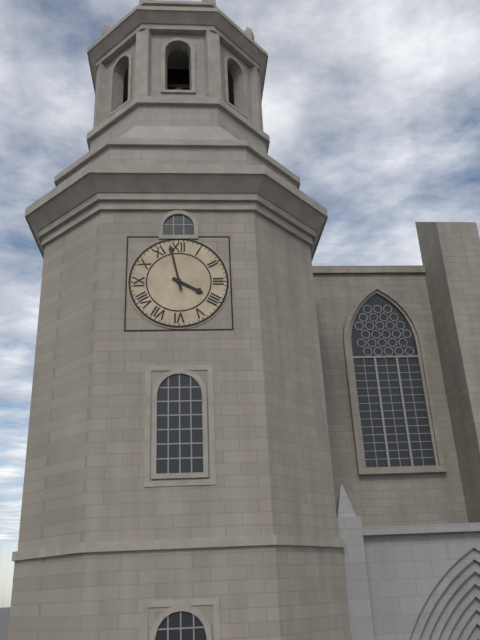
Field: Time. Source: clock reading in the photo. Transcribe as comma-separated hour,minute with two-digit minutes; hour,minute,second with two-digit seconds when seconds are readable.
3,58
